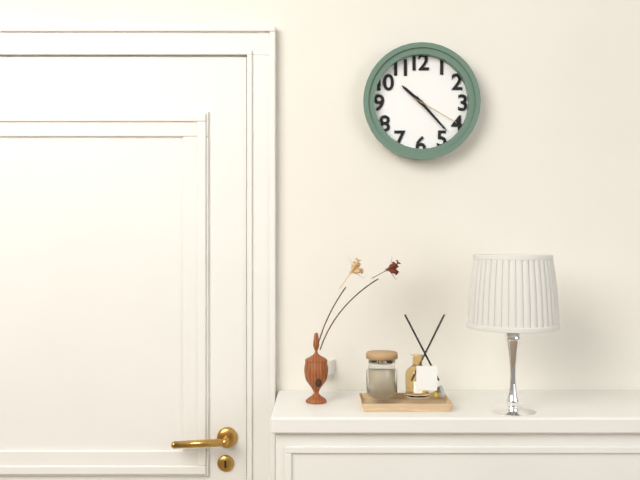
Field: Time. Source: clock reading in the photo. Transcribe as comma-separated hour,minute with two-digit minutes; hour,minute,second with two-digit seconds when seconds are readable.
10,23,20
